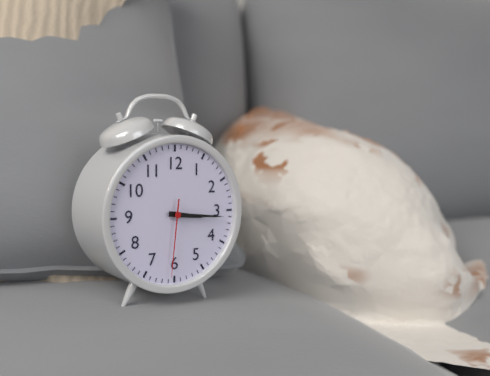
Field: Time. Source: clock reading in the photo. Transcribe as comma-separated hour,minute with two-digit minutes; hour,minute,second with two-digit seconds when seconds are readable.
3,16,31
